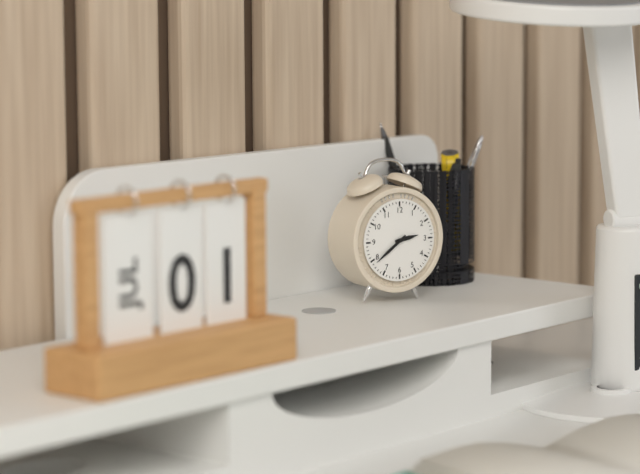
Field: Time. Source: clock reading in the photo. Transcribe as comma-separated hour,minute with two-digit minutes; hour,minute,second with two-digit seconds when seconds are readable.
2,39
